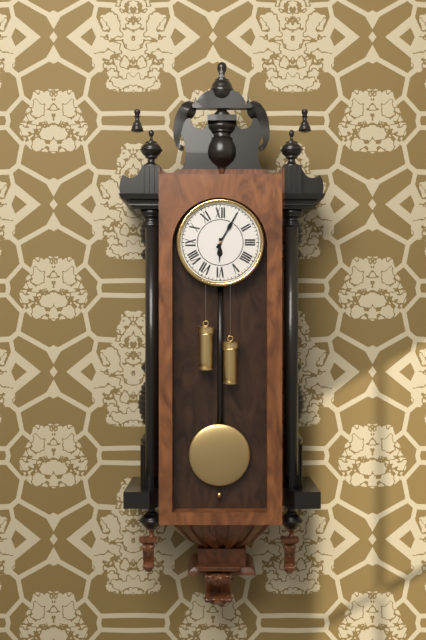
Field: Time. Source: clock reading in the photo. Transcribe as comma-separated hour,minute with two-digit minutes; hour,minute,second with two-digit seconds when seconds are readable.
6,05
